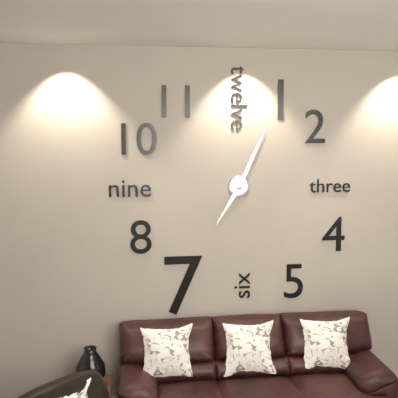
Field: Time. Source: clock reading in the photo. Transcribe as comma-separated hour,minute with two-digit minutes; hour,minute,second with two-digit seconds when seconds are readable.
7,04
